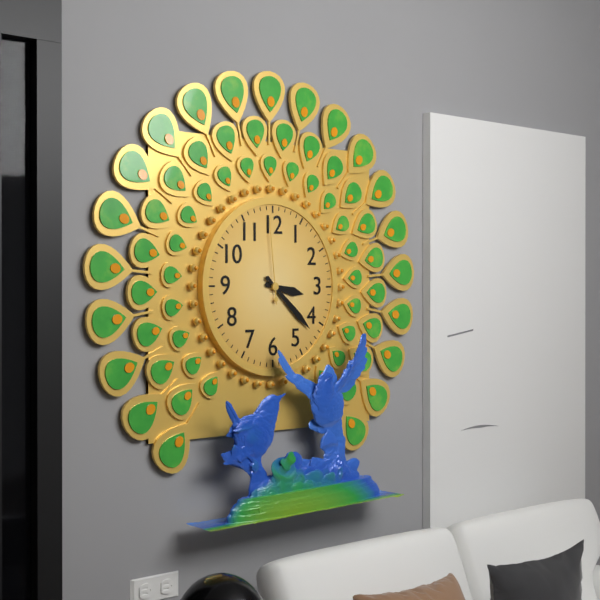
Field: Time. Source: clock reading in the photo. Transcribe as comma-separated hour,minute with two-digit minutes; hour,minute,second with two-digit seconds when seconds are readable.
3,22,59
